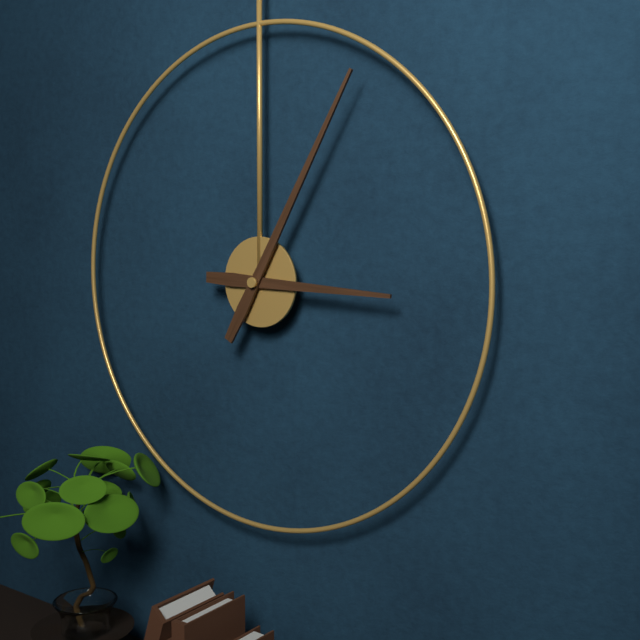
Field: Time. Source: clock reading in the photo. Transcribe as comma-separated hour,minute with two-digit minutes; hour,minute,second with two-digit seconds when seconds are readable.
3,05
